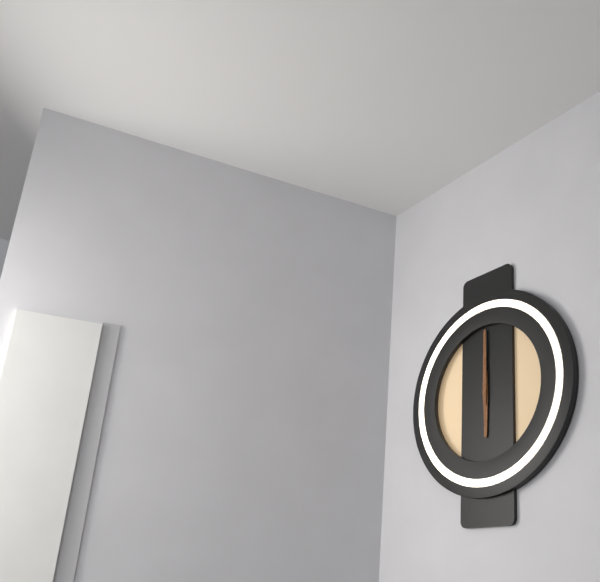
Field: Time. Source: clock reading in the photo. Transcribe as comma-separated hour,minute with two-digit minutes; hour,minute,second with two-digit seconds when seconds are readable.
6,00
